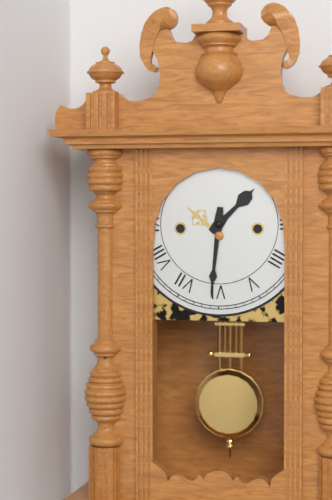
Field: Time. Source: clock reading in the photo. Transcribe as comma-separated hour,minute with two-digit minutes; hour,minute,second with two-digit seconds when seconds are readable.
1,31
